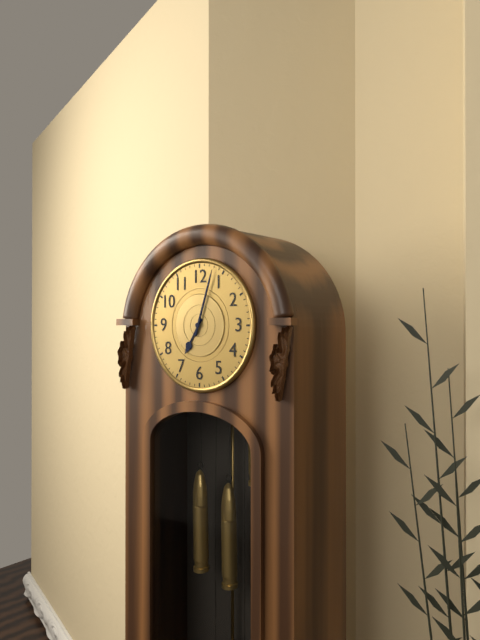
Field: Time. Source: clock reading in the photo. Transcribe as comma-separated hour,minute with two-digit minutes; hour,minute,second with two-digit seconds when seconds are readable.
7,03
